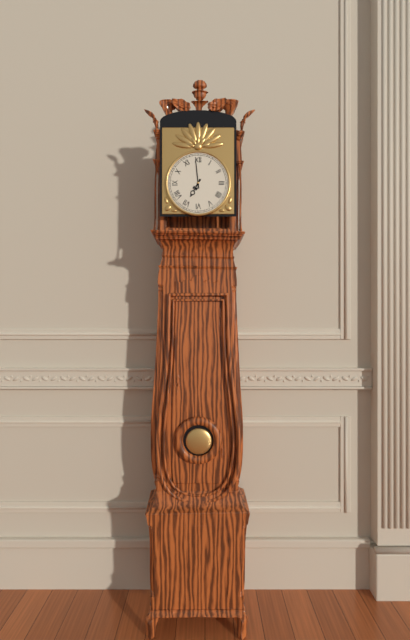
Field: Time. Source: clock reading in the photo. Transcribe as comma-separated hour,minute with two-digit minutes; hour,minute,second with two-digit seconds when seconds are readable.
6,59
